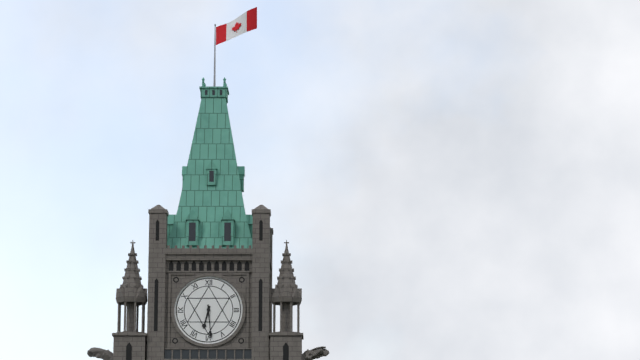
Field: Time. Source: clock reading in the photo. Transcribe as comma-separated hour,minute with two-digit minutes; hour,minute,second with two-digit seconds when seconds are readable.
6,29
